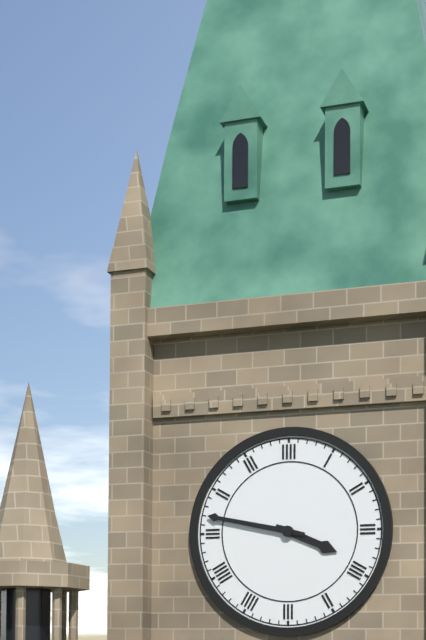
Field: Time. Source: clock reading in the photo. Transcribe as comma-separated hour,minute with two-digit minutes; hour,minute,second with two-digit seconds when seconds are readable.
3,47
